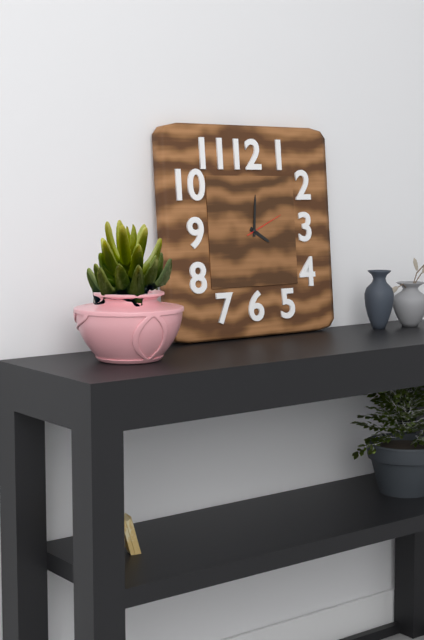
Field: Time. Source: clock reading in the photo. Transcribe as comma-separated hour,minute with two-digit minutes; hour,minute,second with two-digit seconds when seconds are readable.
4,01
